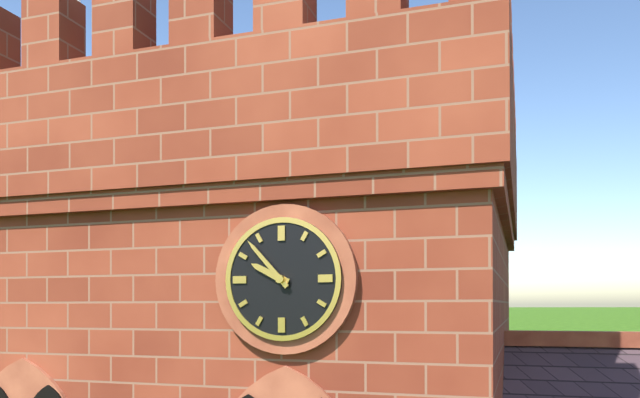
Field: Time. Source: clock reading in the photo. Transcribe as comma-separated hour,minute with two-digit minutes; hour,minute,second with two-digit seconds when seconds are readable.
9,53
